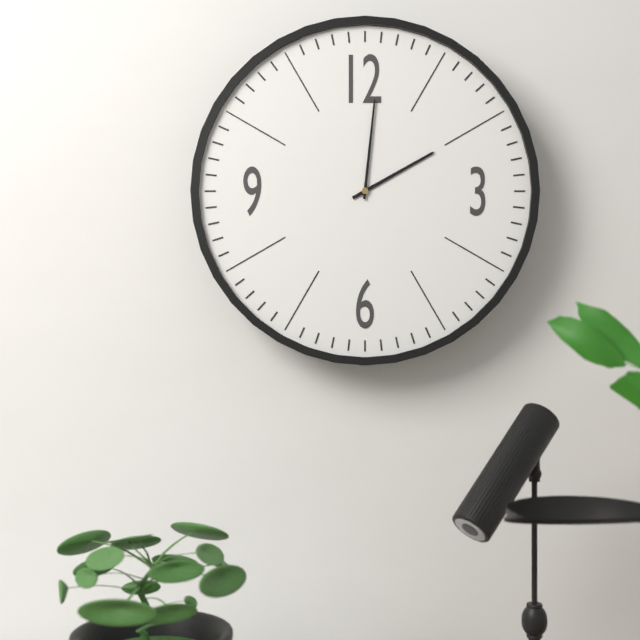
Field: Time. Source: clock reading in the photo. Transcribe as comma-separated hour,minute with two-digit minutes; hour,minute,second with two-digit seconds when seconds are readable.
2,01
